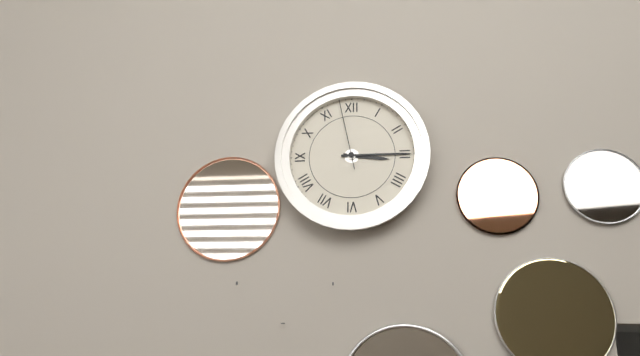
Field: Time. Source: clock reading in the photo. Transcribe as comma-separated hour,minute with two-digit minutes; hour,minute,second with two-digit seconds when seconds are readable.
3,15,58
